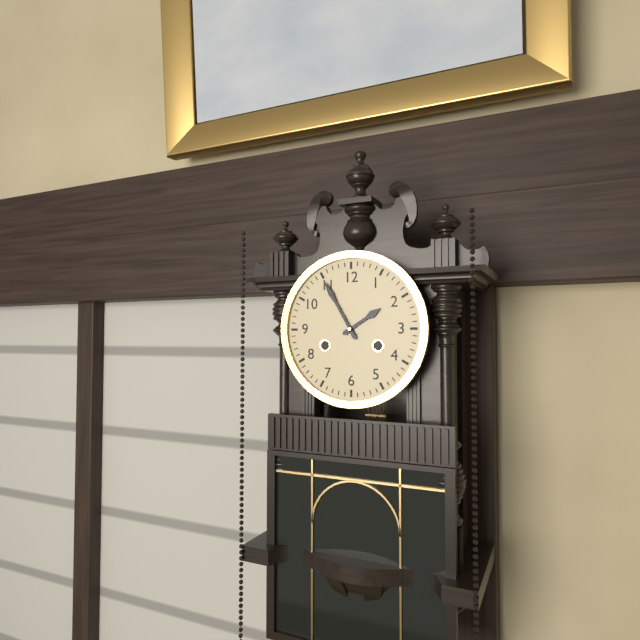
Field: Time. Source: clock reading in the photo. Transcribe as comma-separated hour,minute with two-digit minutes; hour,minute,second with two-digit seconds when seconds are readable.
1,55
